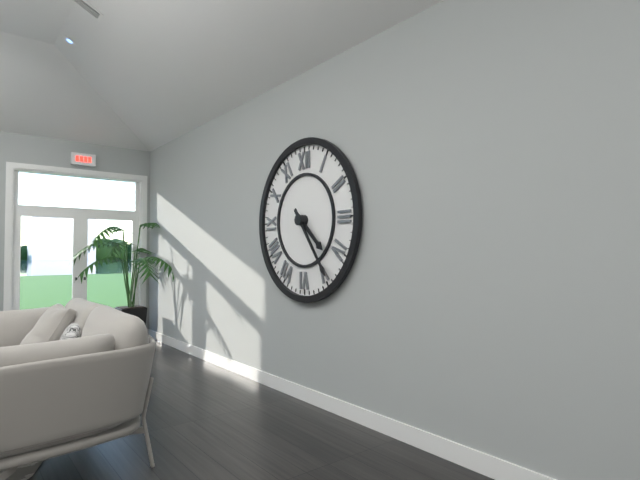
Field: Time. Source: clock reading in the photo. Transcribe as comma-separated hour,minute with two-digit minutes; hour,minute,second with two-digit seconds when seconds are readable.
4,24
